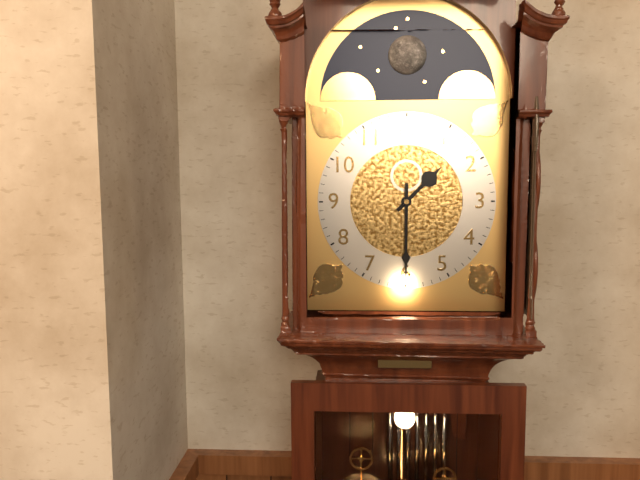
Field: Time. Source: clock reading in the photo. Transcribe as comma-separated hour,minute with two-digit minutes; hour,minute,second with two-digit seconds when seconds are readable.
1,30
